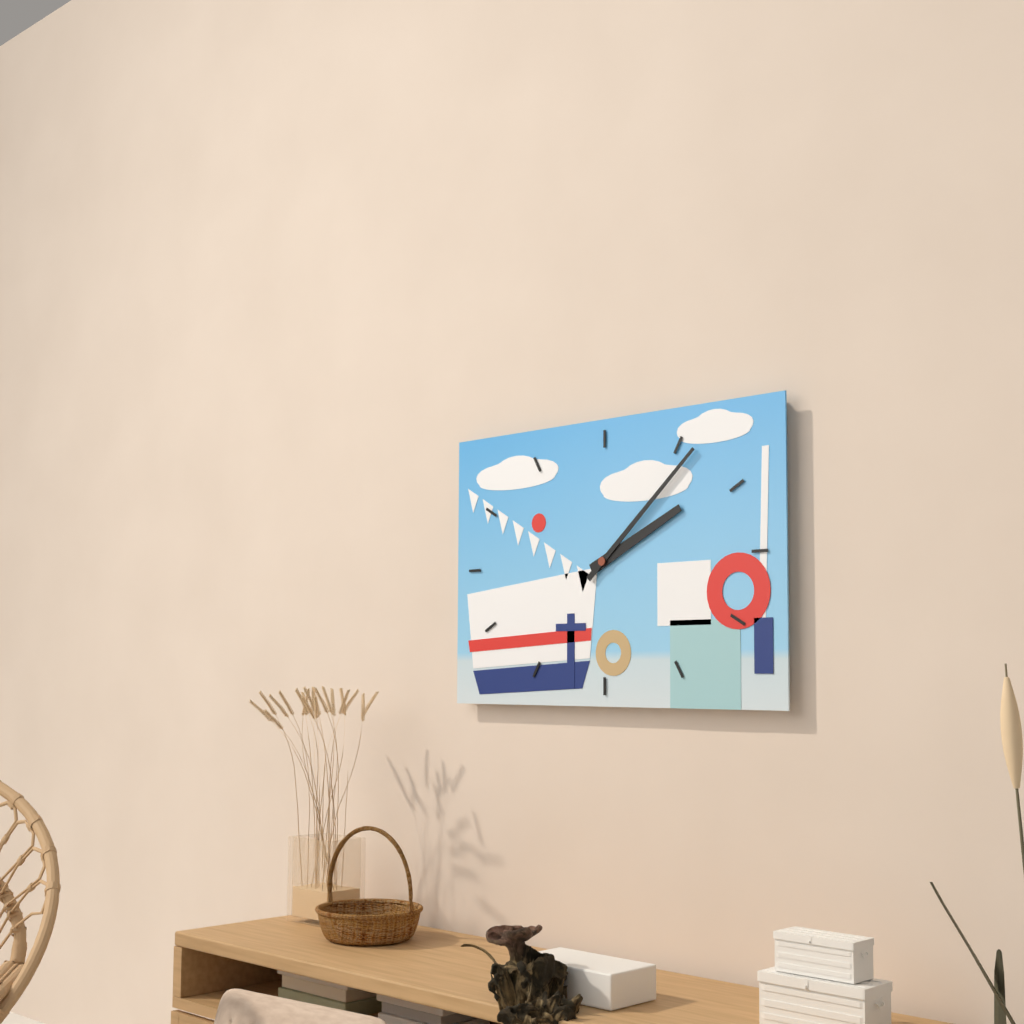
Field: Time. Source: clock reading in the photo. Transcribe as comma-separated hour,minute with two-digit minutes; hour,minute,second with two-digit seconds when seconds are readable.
2,08
